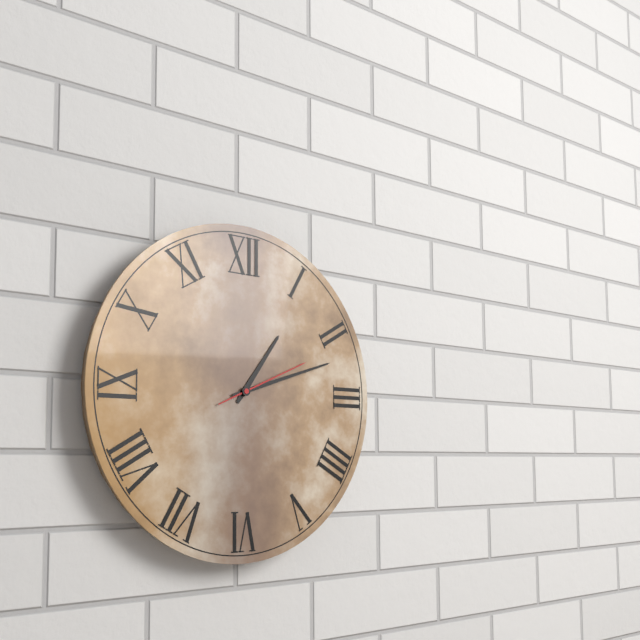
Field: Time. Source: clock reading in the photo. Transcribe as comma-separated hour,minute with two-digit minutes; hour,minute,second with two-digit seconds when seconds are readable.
1,12,11
